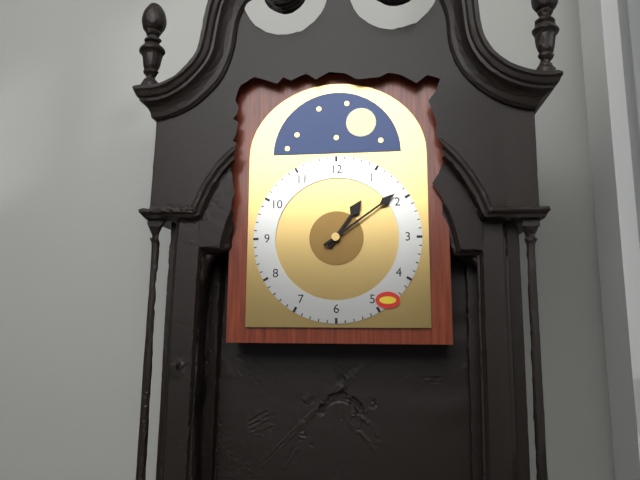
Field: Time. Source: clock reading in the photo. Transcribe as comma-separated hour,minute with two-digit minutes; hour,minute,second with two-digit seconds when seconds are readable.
1,09
